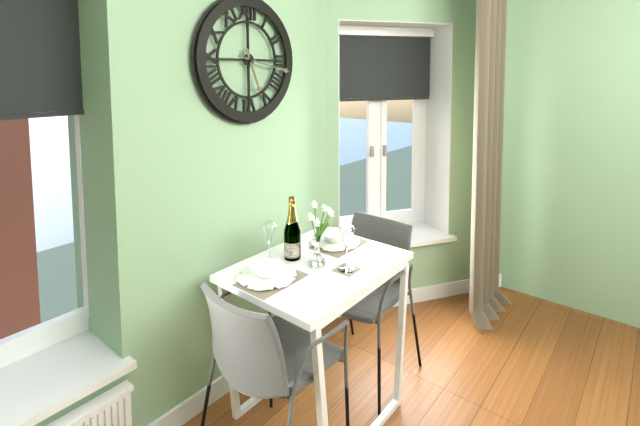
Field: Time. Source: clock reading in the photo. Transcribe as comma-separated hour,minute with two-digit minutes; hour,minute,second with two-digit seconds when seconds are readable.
5,17
